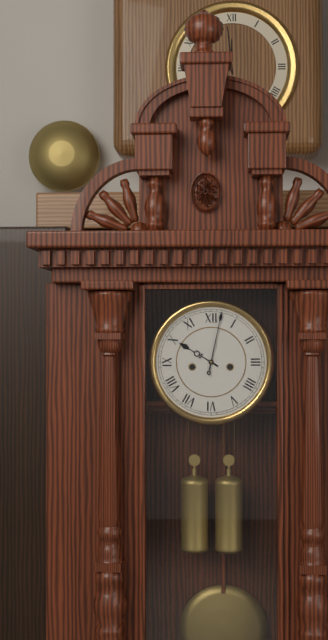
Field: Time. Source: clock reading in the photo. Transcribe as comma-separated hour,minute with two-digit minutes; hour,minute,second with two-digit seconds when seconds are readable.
10,02
